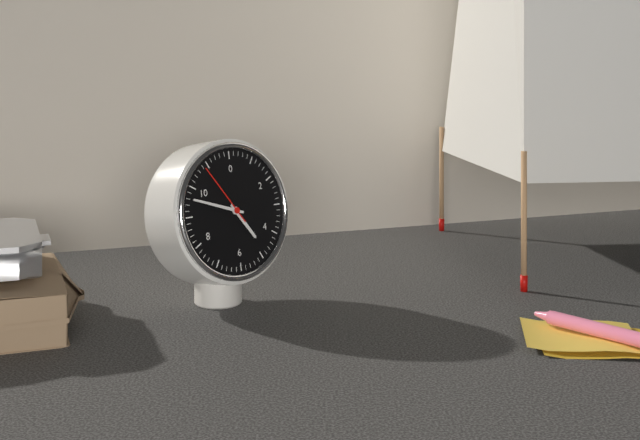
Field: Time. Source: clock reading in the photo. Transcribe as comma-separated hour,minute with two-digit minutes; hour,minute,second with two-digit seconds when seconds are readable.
4,48,54
